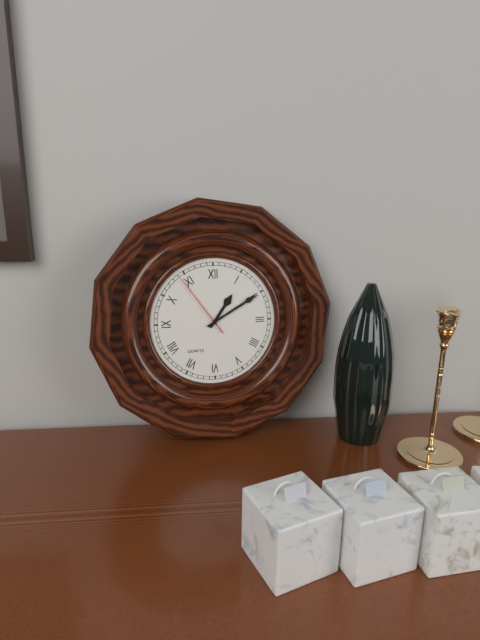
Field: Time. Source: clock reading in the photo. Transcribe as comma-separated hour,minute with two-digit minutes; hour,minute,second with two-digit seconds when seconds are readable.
1,10,54
